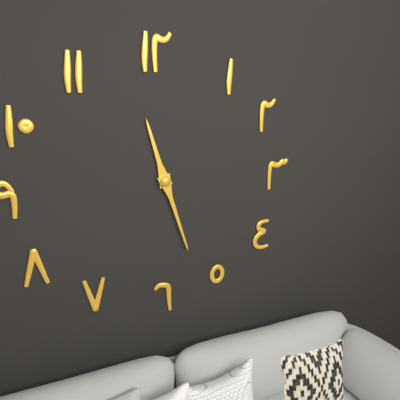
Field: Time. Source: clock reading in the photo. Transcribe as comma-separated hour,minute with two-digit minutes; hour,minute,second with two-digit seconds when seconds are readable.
11,27
